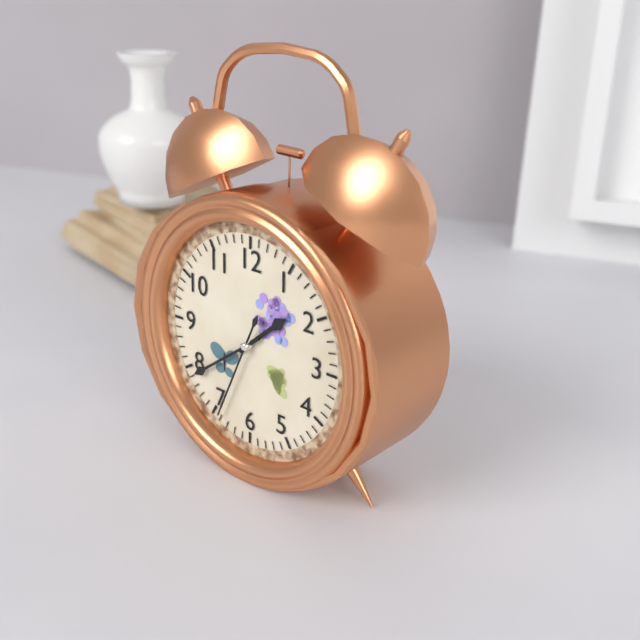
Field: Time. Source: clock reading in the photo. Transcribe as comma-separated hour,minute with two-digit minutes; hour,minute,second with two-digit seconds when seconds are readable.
1,39,34
